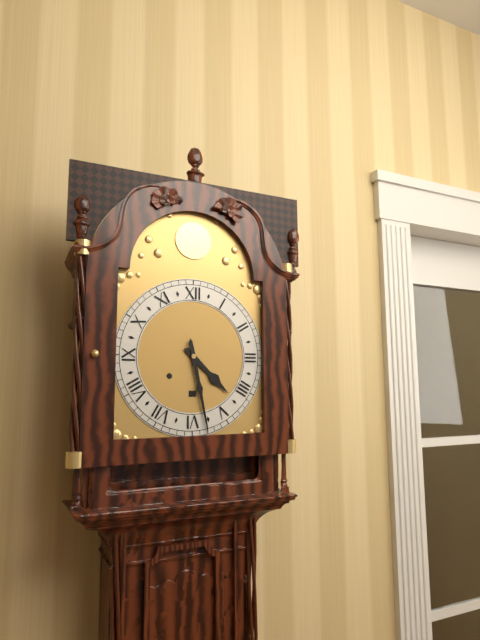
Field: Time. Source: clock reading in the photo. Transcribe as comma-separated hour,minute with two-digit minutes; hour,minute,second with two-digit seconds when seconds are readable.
4,28
